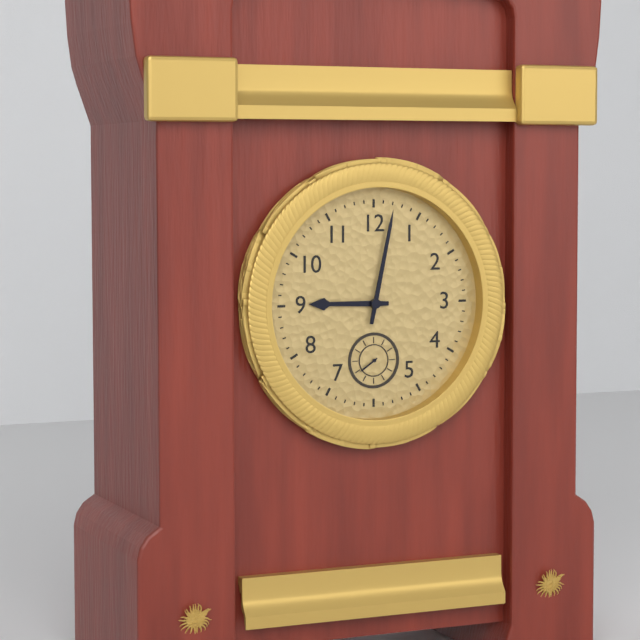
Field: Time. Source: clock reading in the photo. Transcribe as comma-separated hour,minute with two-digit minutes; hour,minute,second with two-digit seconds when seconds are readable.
9,02
